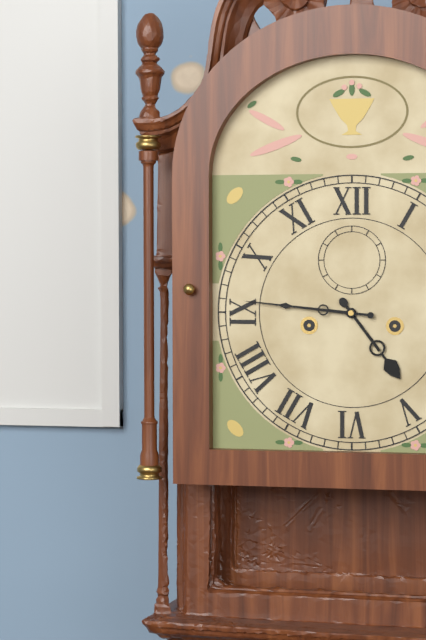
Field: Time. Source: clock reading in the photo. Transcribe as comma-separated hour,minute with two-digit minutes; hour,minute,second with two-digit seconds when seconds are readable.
4,46
